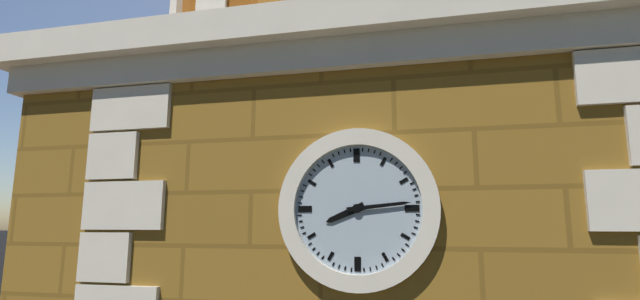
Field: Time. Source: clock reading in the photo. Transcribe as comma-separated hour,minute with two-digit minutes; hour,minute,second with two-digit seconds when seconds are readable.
8,14
